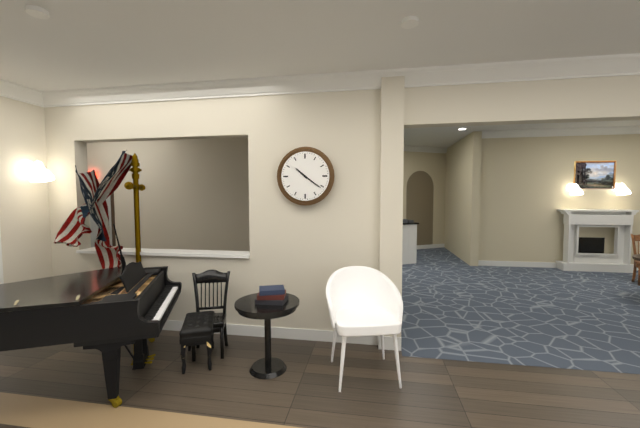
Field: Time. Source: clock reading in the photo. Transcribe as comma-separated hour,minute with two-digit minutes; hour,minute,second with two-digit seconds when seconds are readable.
10,21
